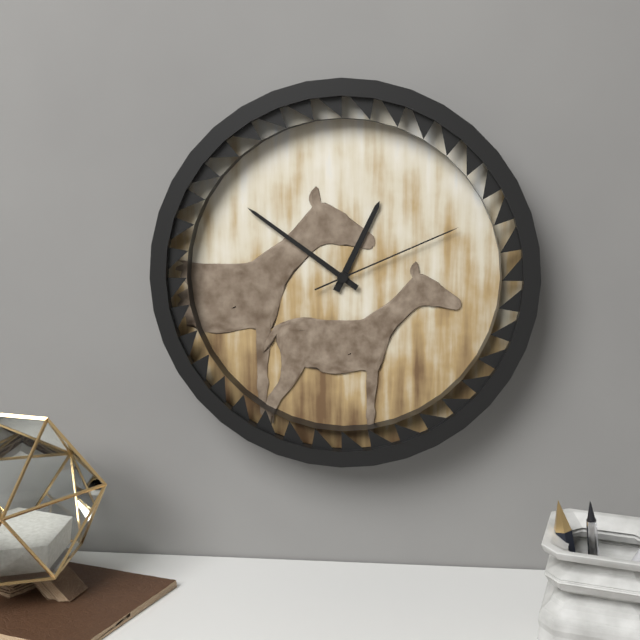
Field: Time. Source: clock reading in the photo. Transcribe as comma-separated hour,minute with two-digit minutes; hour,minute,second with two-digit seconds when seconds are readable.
12,51,11
